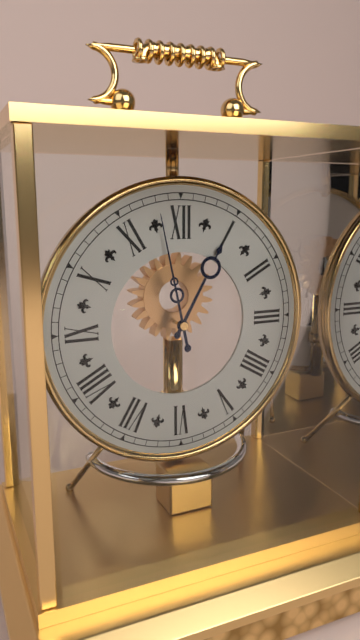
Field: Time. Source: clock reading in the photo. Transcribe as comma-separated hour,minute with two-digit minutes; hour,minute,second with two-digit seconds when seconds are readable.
12,58
